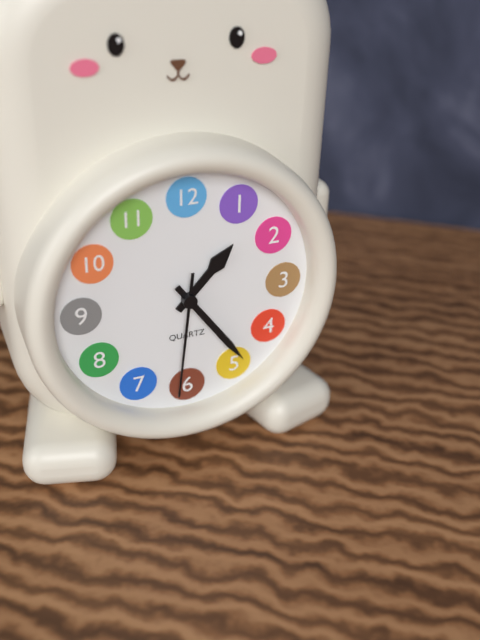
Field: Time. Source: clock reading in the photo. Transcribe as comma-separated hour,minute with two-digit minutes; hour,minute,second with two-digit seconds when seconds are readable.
1,24,31
